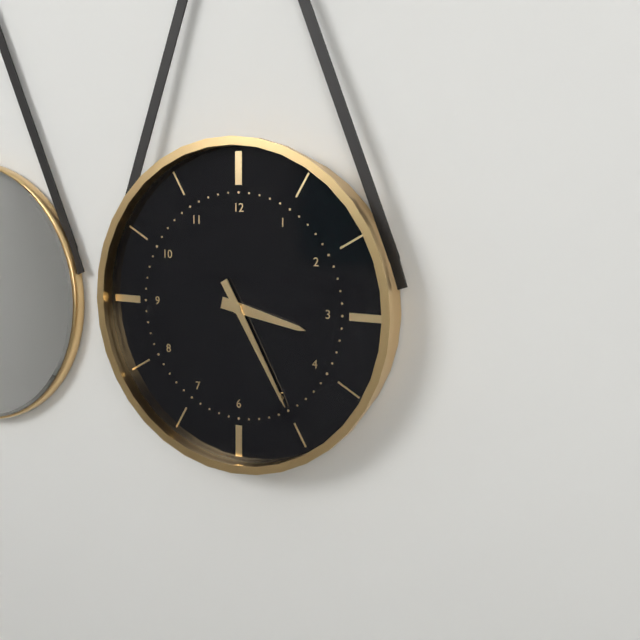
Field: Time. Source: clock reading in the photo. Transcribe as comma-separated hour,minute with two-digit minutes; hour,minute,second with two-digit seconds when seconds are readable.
3,25
